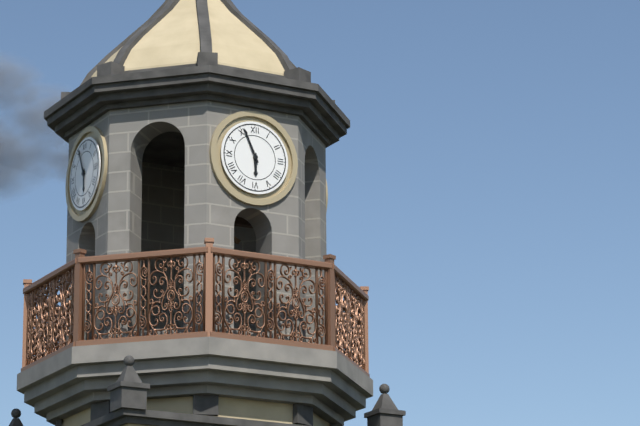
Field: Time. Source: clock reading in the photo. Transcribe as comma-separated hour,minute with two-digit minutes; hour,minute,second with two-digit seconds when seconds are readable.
5,56
